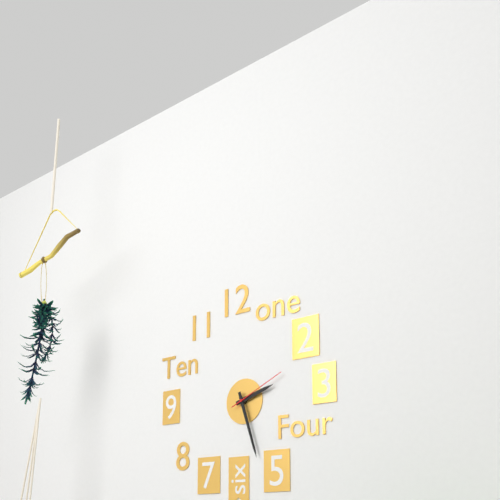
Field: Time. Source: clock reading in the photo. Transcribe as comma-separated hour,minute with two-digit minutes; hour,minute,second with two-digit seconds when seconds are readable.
2,27,11
